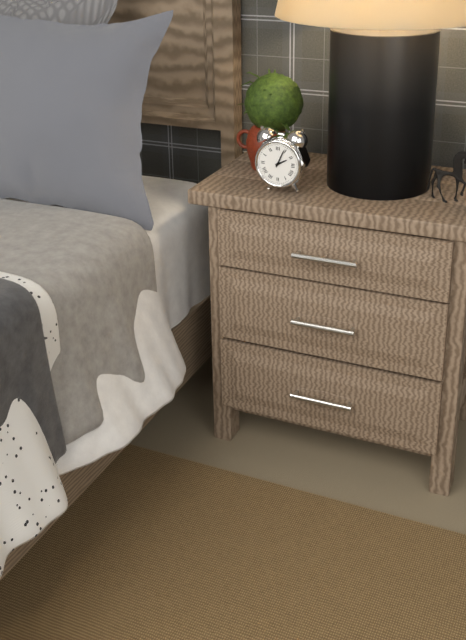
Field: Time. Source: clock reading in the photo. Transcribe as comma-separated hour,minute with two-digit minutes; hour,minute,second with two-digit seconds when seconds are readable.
2,04
